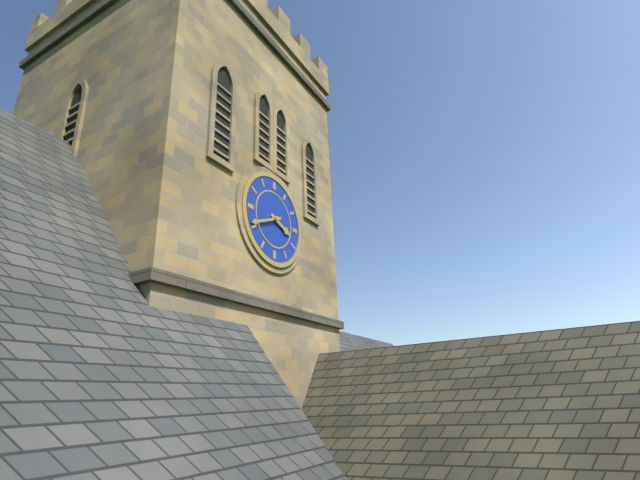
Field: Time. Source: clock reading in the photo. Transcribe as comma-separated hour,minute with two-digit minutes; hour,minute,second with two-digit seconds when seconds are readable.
3,41
